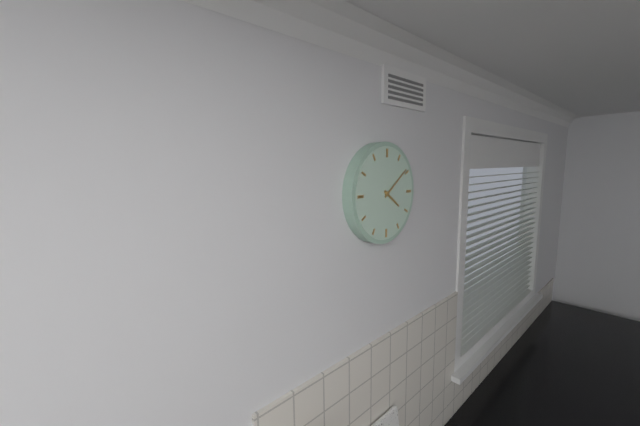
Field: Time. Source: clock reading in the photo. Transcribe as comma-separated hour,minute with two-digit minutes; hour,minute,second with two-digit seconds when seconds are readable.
4,09
